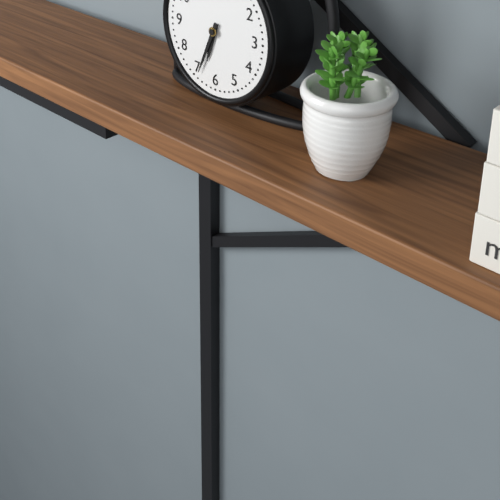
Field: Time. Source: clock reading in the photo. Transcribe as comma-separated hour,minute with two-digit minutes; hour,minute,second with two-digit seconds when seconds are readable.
6,34
